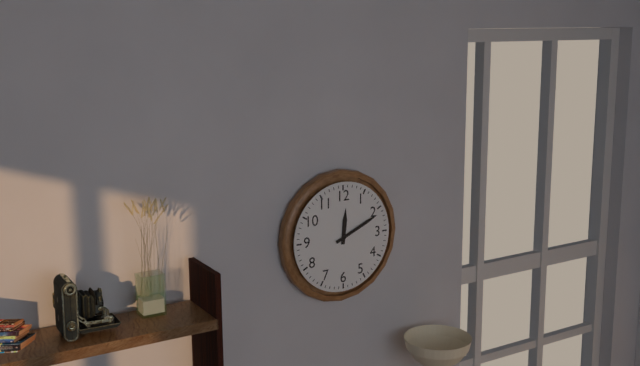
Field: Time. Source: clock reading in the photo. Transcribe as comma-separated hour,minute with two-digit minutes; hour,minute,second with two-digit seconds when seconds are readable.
12,11
